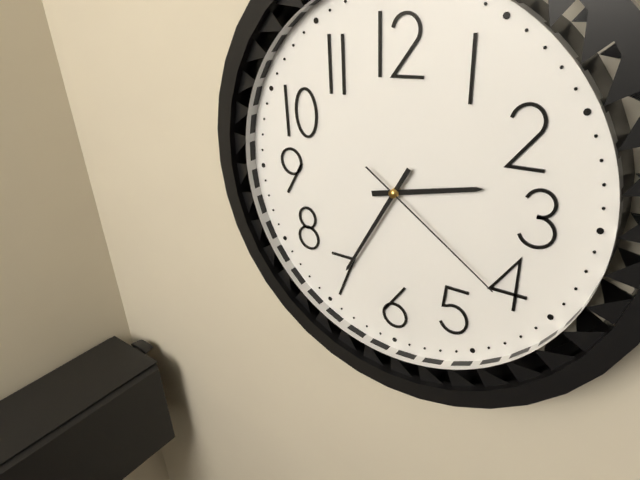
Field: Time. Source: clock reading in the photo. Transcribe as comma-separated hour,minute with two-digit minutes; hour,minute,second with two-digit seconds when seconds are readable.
2,35,21
